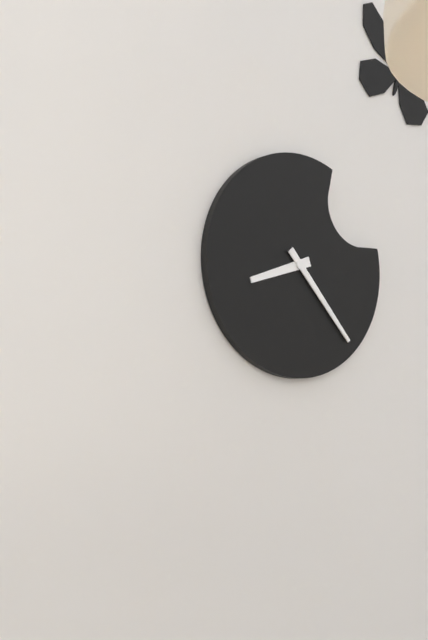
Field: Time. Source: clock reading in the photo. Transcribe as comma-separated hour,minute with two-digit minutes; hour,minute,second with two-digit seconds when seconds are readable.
8,23
